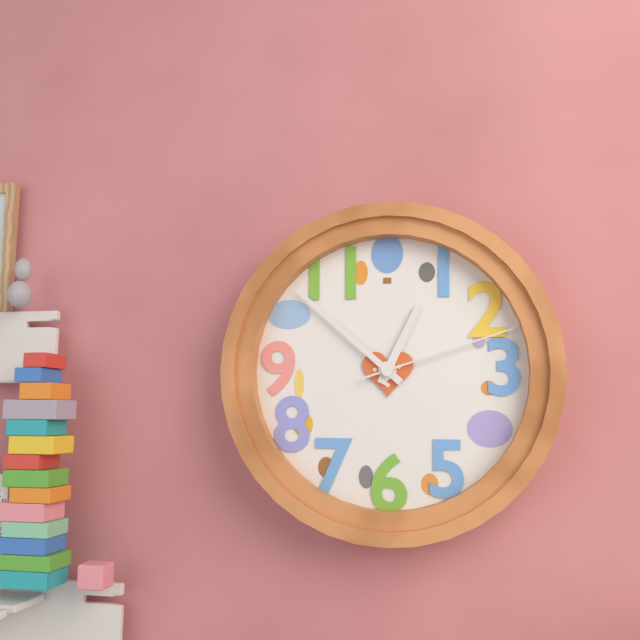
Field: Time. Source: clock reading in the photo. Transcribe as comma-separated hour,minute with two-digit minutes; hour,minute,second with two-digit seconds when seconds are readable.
12,52,12
